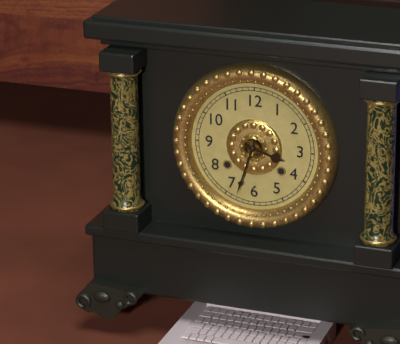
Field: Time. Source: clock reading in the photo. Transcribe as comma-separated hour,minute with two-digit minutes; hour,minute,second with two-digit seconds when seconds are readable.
3,33
